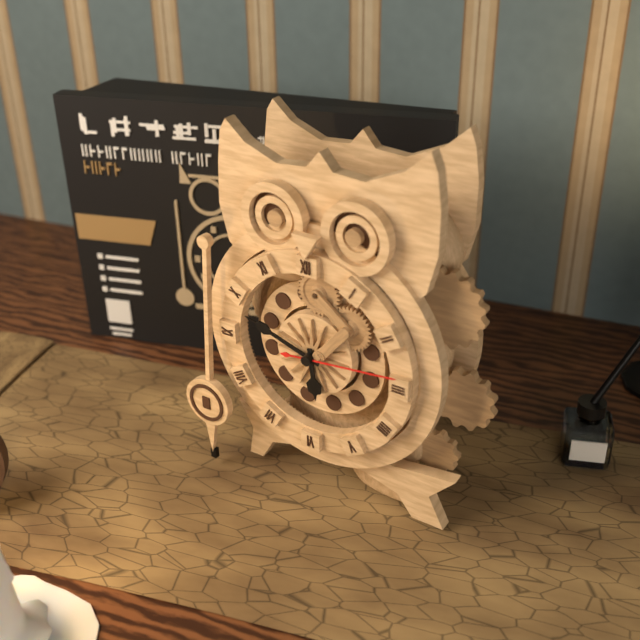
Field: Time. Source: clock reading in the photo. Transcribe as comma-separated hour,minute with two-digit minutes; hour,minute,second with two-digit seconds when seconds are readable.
5,48,14
